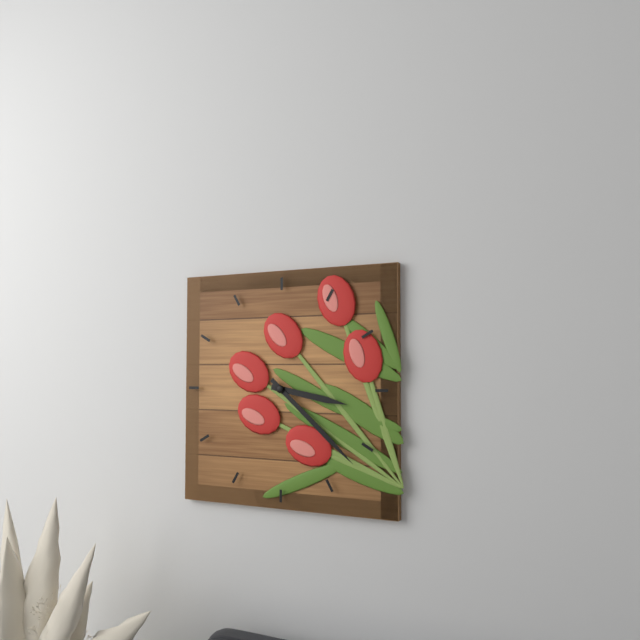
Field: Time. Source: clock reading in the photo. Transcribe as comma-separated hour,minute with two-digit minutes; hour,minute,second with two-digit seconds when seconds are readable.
3,22
